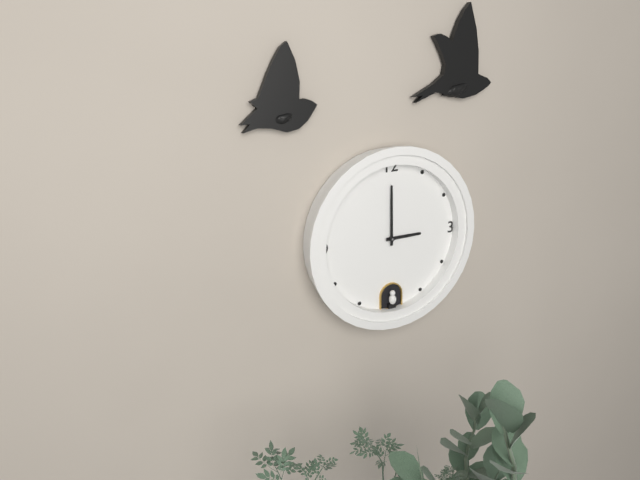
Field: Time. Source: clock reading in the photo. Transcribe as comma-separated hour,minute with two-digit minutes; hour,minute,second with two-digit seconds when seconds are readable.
3,00
